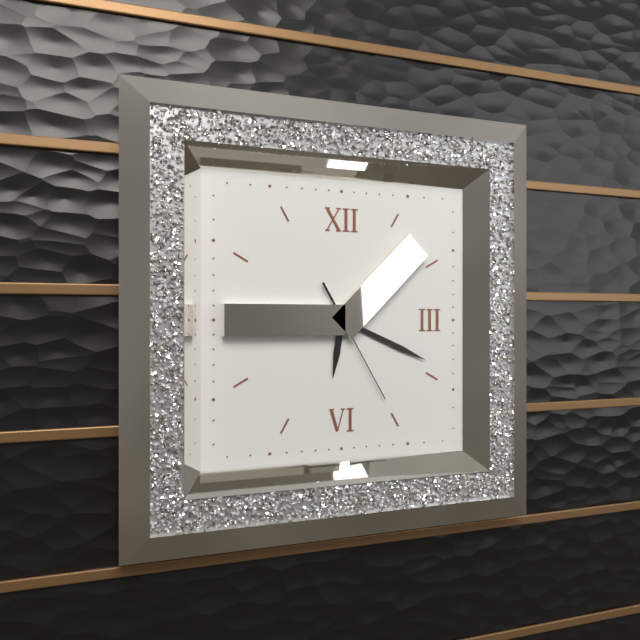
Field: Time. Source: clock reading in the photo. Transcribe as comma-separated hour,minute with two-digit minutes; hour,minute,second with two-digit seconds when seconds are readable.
6,19,25
